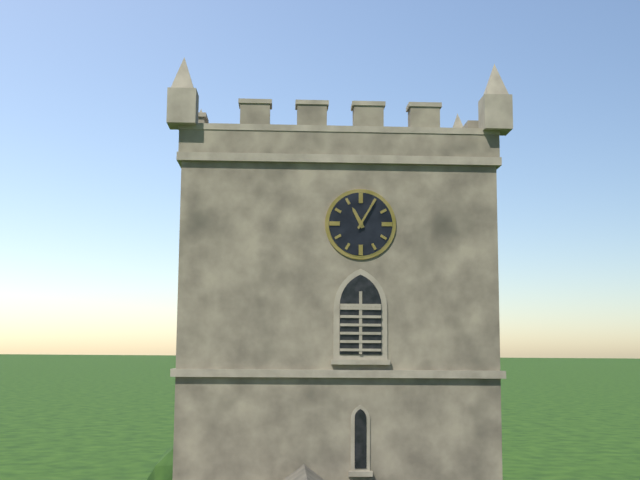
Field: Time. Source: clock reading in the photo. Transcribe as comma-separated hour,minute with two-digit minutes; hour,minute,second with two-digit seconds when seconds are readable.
11,05
